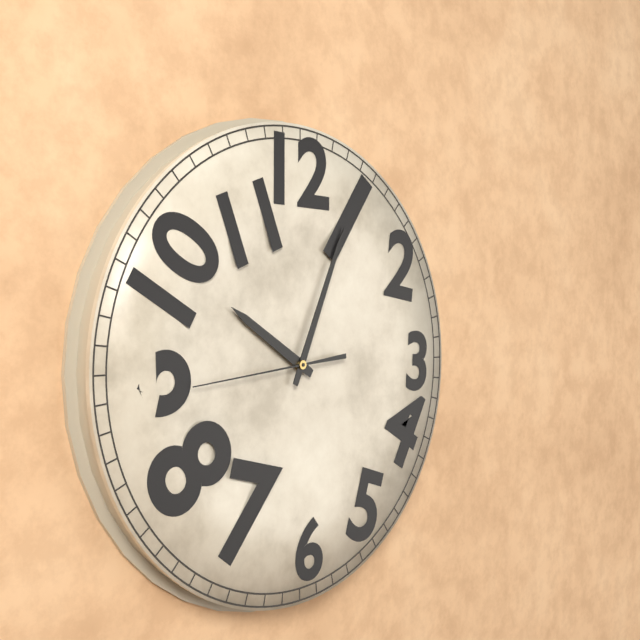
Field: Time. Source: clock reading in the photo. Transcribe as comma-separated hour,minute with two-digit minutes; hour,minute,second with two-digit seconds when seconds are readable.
10,04,44
